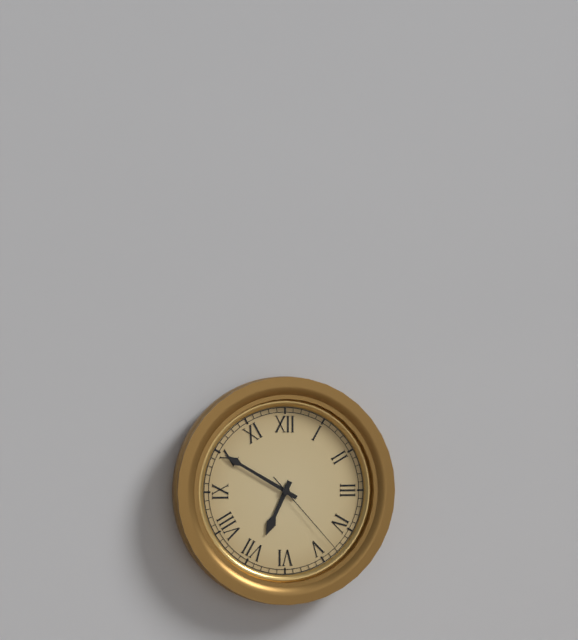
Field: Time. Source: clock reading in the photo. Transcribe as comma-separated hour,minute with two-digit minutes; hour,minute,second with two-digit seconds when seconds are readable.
6,50,23
